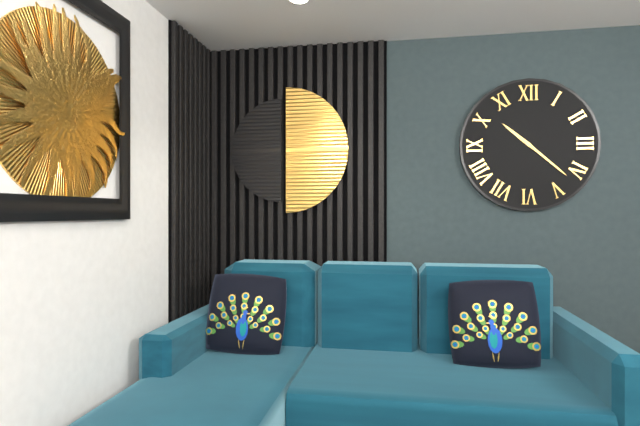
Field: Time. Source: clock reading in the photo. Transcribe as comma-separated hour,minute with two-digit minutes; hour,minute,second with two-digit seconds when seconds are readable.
10,22
